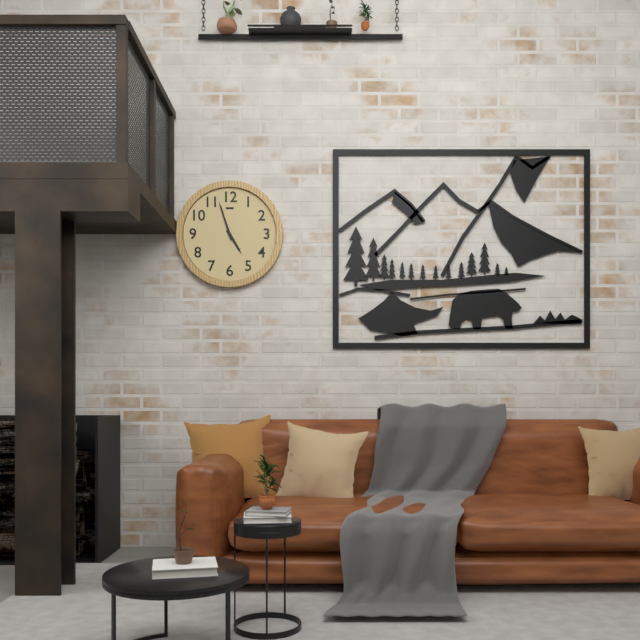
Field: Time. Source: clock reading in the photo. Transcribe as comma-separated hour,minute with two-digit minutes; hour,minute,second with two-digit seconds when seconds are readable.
4,57
